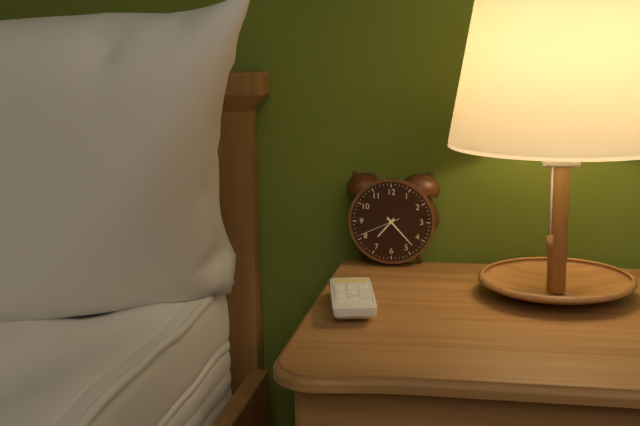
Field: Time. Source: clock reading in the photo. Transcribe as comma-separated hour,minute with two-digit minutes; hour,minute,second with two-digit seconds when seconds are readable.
7,23
